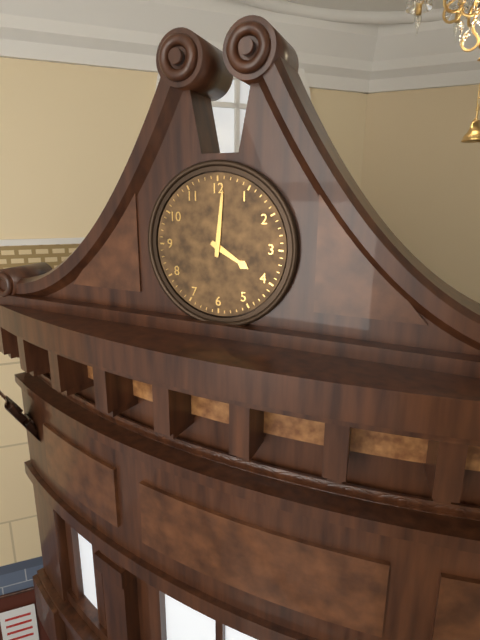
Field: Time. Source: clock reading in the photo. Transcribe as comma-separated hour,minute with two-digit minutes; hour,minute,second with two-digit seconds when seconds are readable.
4,01
